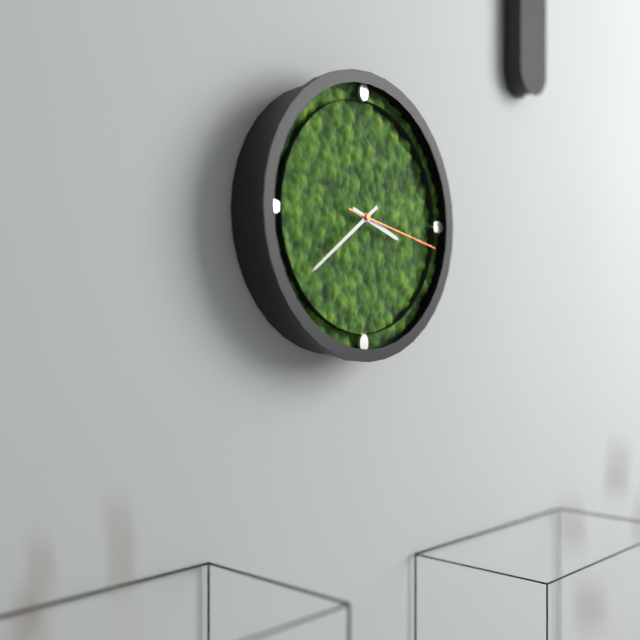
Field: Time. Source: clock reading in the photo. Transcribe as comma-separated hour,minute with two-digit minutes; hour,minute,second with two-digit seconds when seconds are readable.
3,39,17
